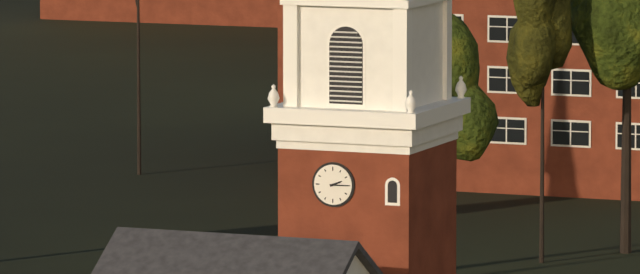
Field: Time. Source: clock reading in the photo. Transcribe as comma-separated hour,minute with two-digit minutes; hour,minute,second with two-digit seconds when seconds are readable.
2,15
